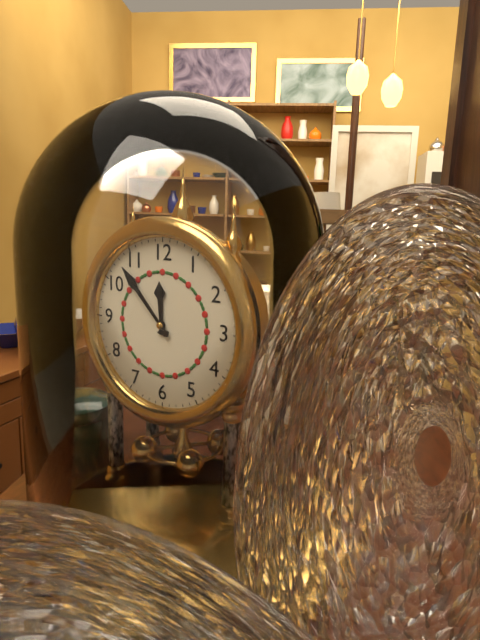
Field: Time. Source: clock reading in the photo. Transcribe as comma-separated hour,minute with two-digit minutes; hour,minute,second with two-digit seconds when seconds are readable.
11,53
